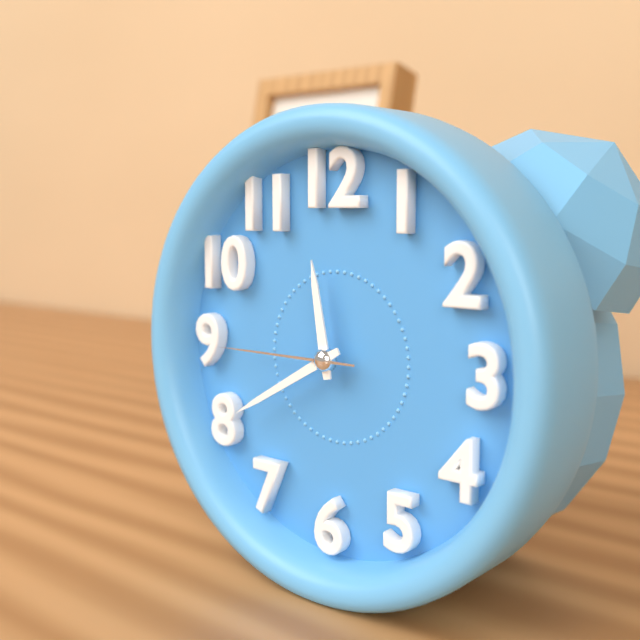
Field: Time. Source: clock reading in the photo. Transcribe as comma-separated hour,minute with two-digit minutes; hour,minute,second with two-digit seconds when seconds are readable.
11,40,45
